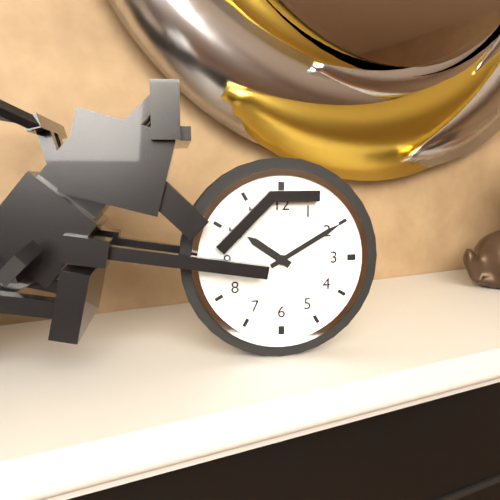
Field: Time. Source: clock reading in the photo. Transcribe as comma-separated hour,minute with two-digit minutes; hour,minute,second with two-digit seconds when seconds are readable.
10,10
